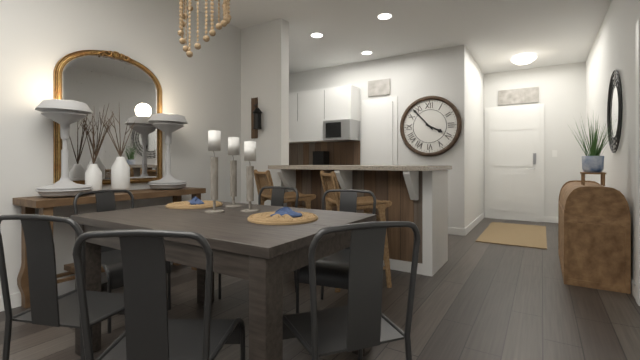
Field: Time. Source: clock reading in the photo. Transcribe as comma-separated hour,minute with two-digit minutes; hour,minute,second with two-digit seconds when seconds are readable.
3,53
